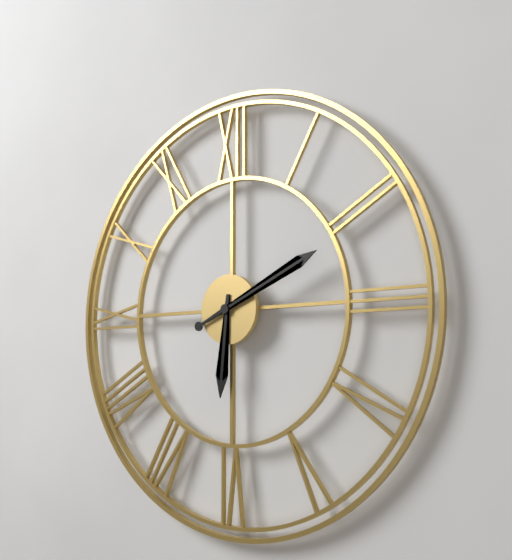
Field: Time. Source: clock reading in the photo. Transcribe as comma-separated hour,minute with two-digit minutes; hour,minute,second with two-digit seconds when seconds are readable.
6,11
